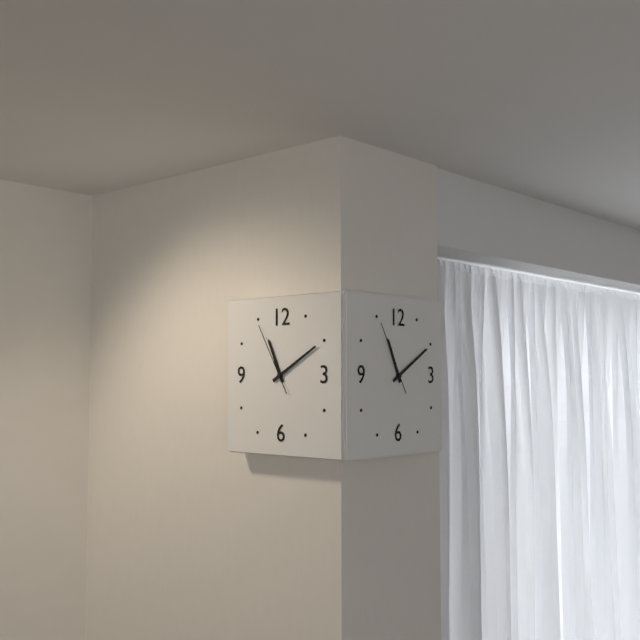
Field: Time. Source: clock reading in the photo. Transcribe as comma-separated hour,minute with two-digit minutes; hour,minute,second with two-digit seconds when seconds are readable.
11,10,55
